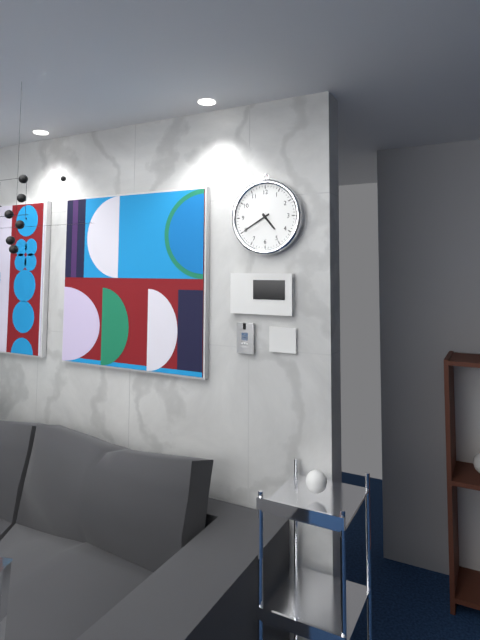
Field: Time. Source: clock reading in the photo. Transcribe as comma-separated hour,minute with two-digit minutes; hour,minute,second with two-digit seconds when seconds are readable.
4,40
